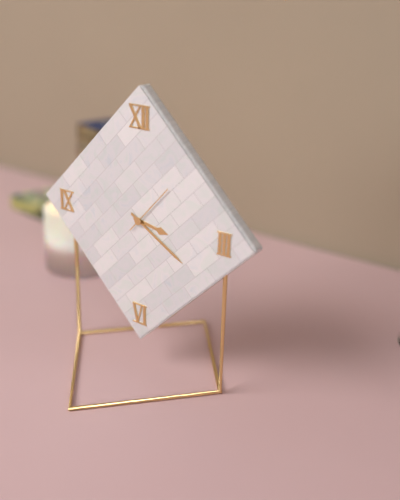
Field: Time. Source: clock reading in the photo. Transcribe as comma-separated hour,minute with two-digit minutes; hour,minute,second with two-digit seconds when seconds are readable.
3,20,07
